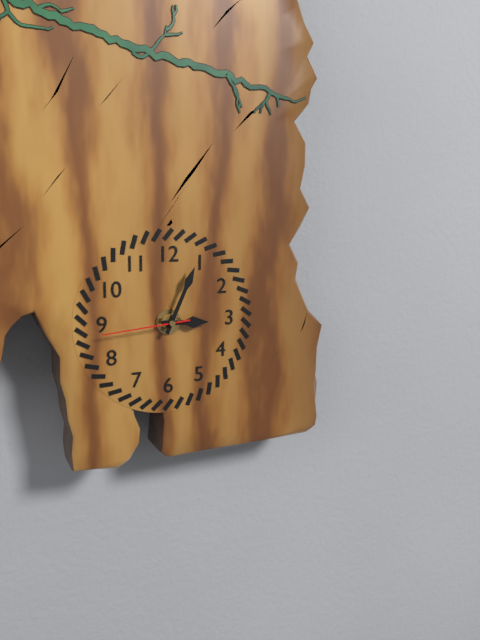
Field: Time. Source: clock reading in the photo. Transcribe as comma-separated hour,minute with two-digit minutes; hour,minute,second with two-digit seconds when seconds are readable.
3,04,44
